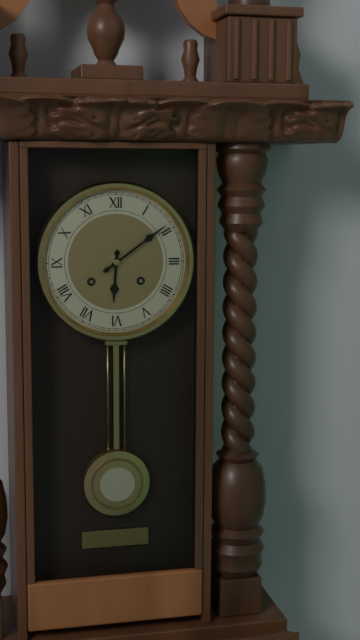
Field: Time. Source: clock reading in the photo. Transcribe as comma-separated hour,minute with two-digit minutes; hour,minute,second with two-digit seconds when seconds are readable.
6,09
